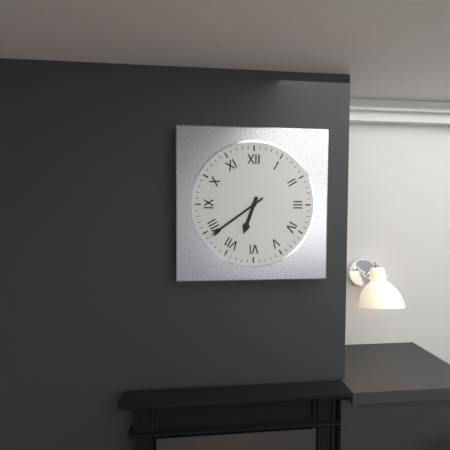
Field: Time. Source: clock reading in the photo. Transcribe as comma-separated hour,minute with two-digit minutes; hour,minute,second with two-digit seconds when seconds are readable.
6,39
